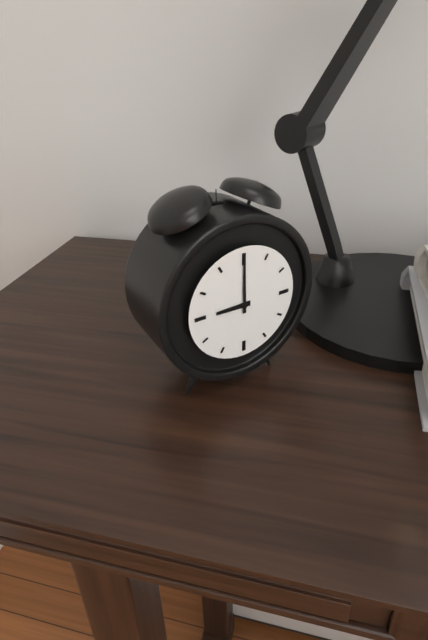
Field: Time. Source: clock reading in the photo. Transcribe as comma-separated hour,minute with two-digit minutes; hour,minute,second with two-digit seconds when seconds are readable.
9,00
